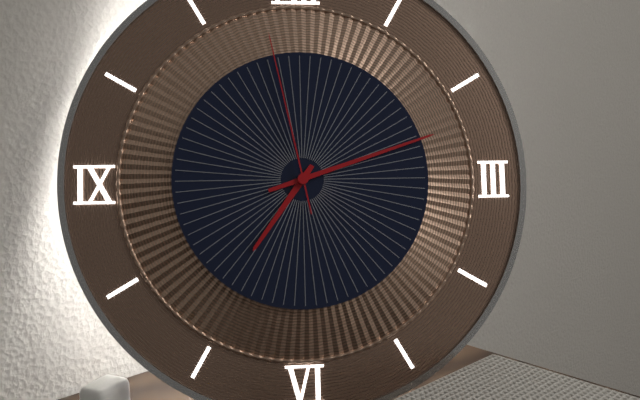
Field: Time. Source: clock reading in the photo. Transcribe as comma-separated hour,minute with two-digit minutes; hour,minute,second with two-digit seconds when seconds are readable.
7,12,58
